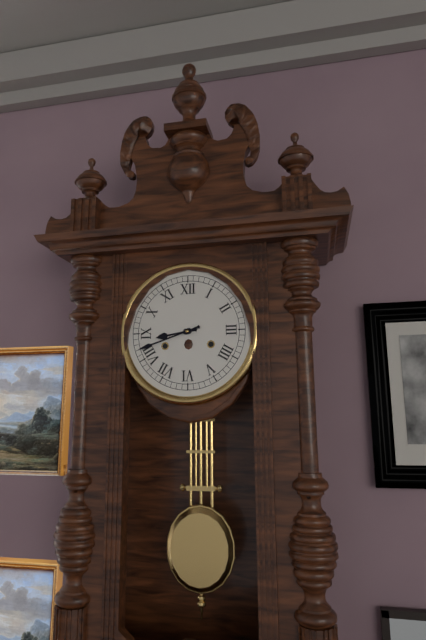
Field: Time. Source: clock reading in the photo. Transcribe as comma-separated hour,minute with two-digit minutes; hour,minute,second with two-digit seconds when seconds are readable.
8,42
